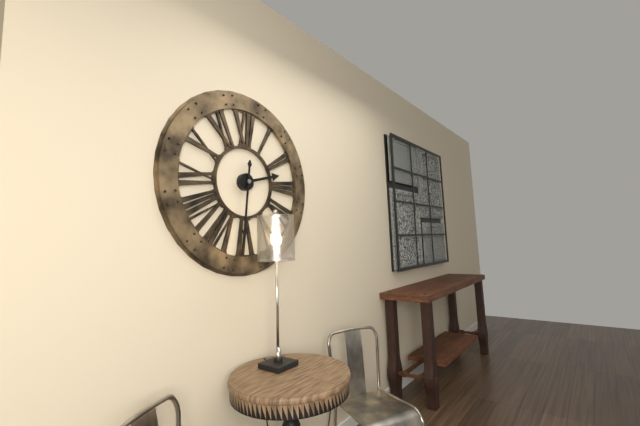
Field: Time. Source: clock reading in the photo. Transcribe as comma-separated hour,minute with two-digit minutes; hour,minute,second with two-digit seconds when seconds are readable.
2,31
